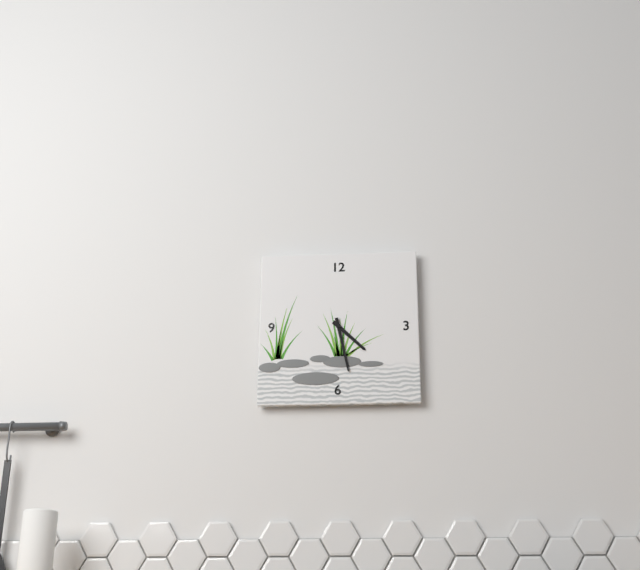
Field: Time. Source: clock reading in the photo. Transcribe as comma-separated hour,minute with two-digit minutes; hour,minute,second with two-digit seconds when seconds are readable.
4,28
